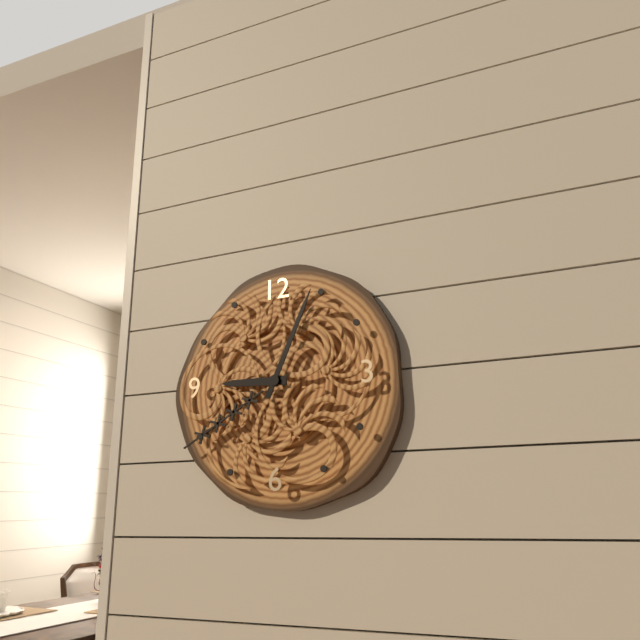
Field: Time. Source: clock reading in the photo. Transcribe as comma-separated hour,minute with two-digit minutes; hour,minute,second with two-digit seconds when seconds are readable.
9,04
